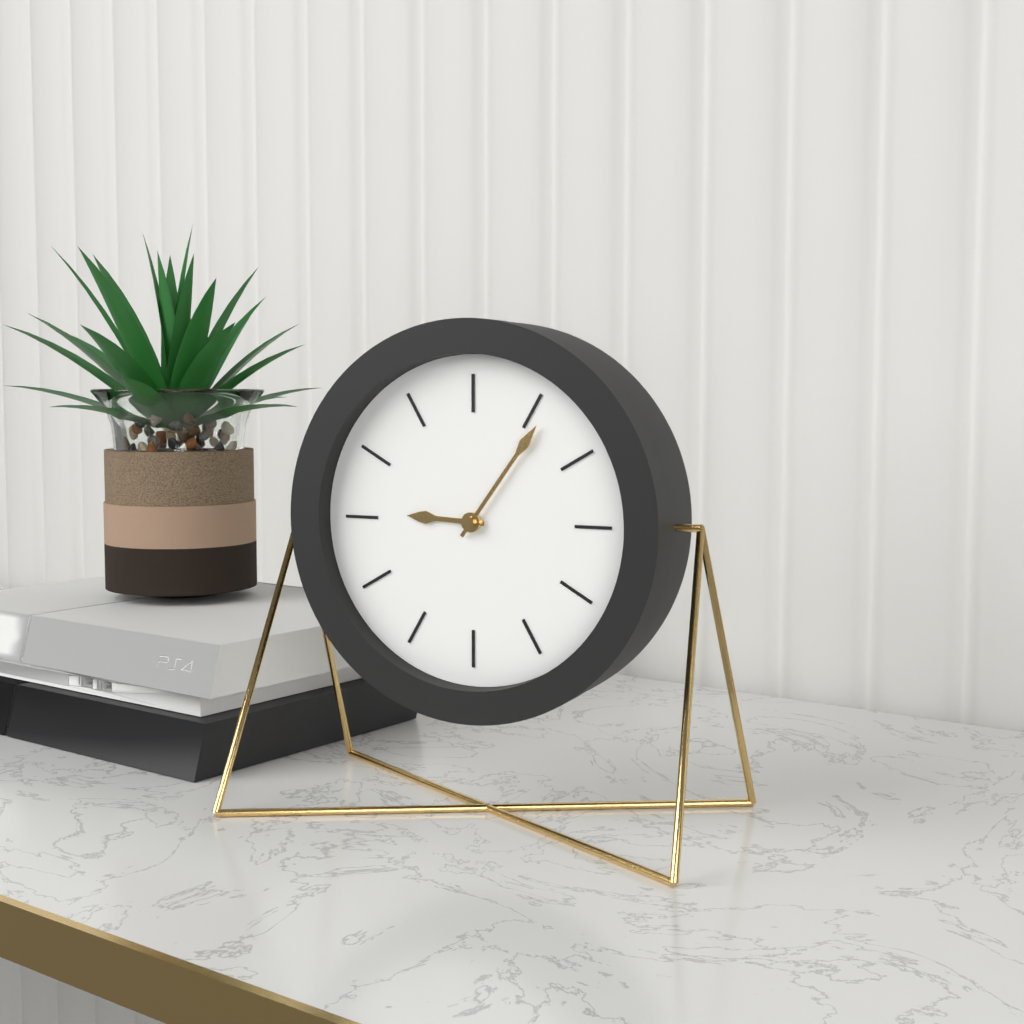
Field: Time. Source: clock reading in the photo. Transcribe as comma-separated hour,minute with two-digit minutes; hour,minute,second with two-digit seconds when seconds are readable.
9,06
